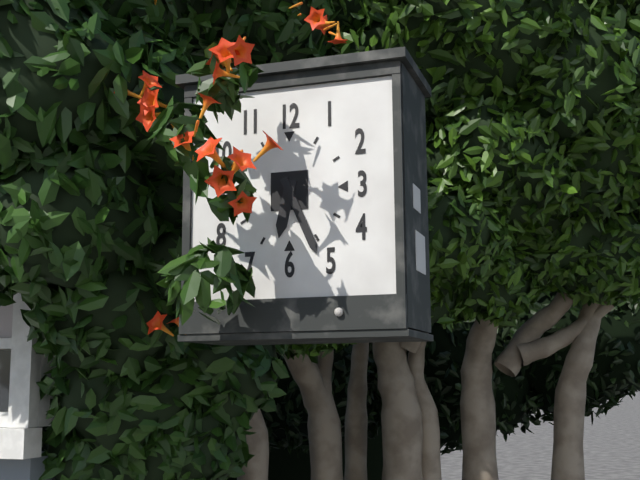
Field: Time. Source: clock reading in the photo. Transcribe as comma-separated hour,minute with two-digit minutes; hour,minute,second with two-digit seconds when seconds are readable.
6,26
